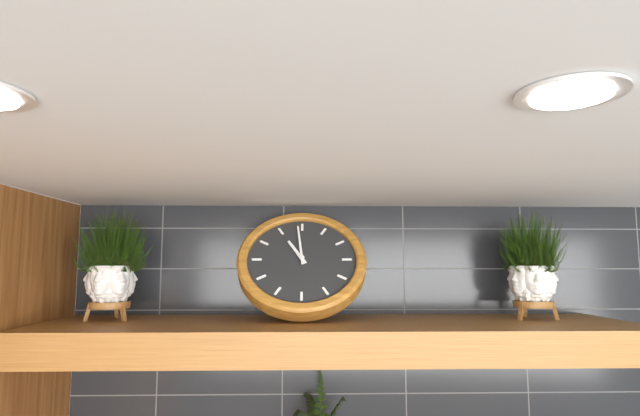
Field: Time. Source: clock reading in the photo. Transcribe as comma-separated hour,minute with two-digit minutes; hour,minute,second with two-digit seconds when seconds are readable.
10,59
